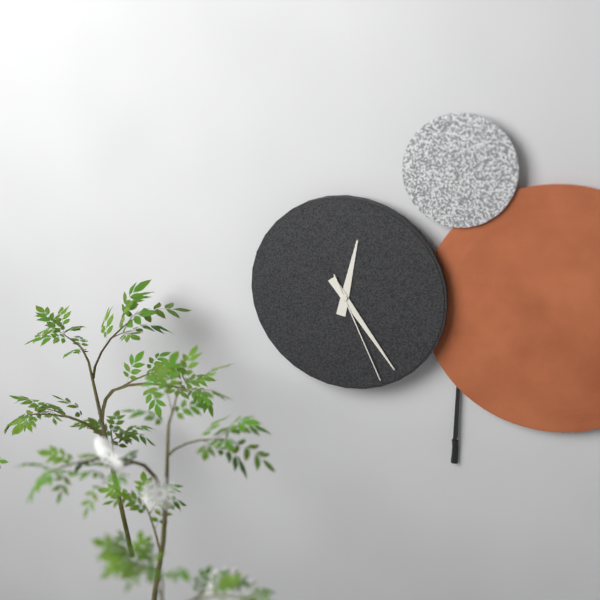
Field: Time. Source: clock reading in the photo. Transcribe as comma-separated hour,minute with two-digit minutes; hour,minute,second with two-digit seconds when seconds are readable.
12,24,26
